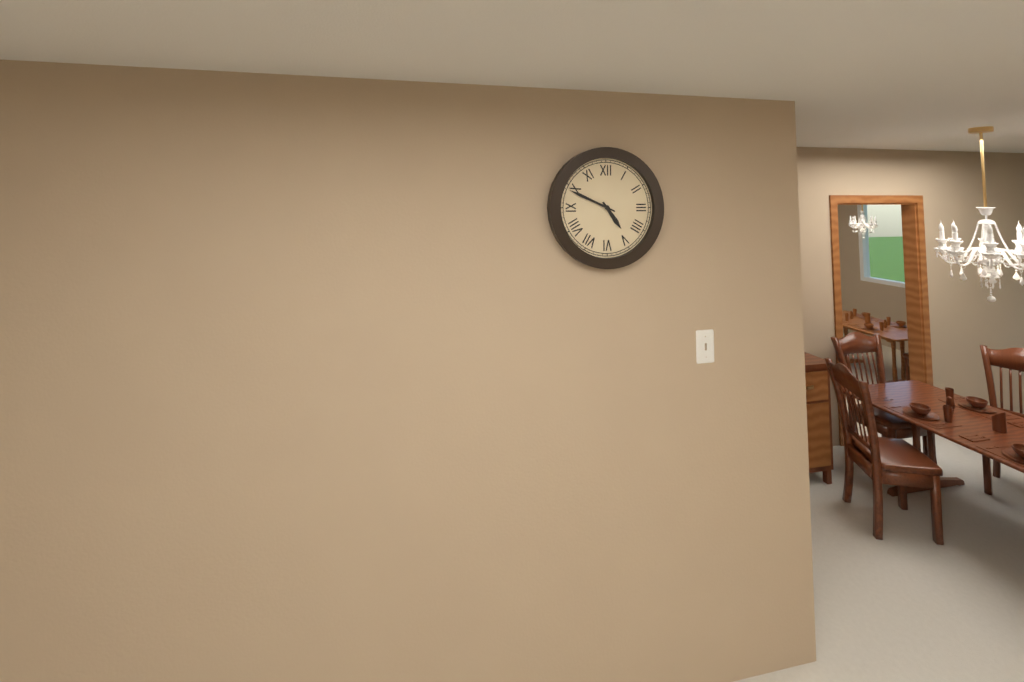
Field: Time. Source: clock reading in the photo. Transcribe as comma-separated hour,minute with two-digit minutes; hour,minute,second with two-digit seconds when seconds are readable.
4,49
